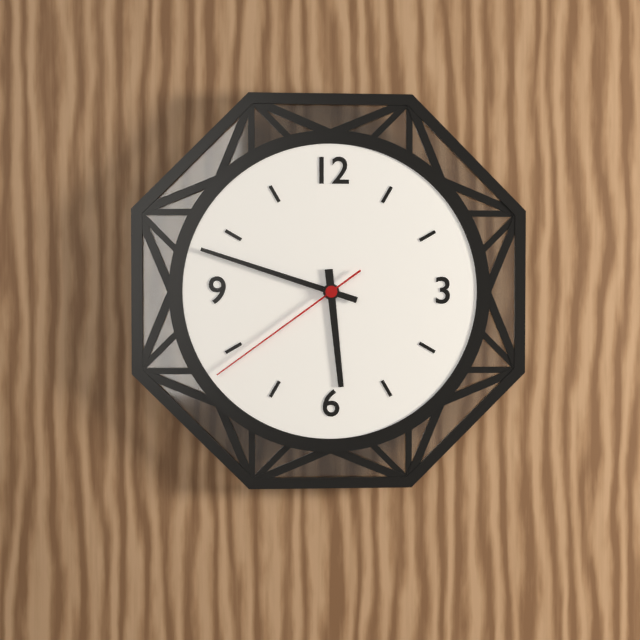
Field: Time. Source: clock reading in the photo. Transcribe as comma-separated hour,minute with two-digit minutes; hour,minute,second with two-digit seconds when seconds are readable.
5,48,39
